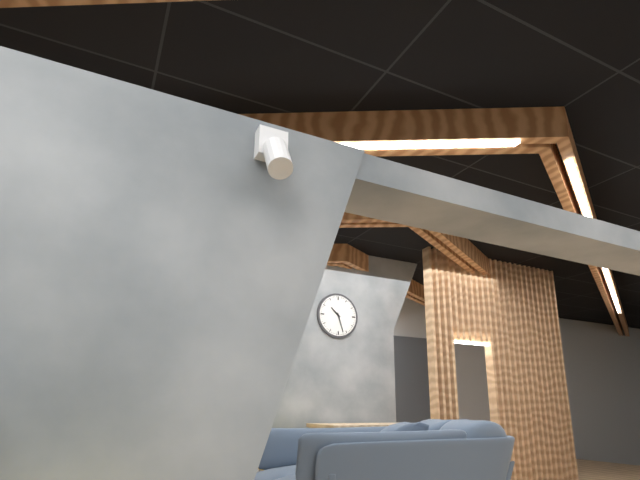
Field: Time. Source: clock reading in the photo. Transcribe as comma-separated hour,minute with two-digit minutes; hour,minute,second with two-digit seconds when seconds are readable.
10,27
